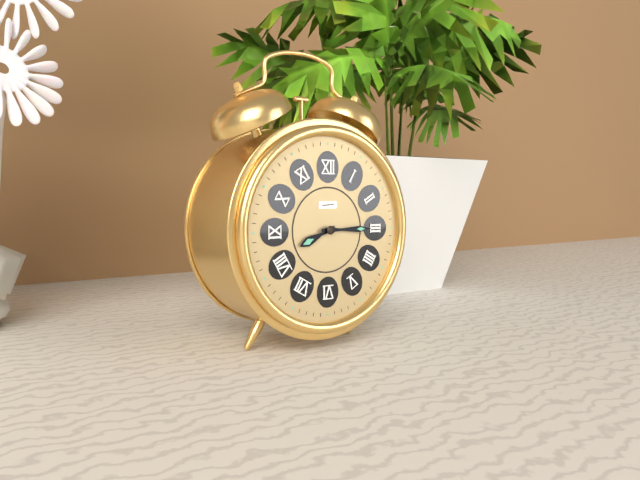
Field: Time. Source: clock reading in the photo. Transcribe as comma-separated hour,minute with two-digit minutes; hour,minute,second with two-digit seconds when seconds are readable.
8,15
